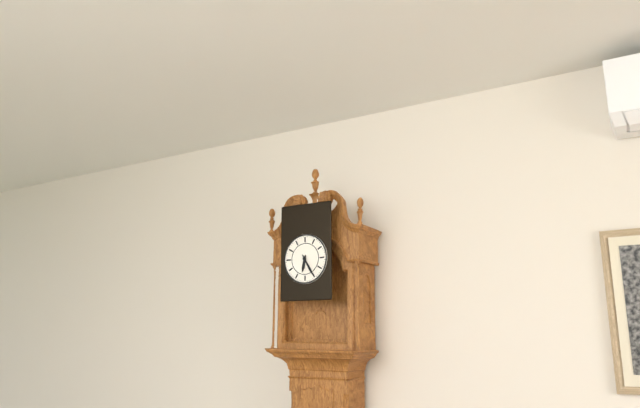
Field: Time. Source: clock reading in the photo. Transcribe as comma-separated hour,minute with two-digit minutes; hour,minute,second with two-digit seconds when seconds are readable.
6,25
